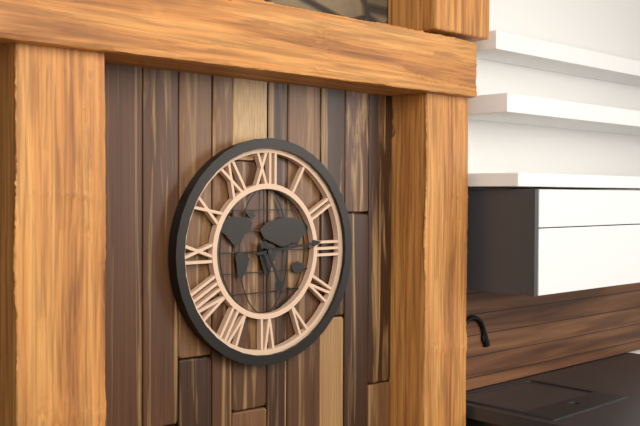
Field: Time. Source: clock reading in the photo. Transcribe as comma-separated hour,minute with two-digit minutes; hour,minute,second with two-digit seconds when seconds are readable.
5,14
